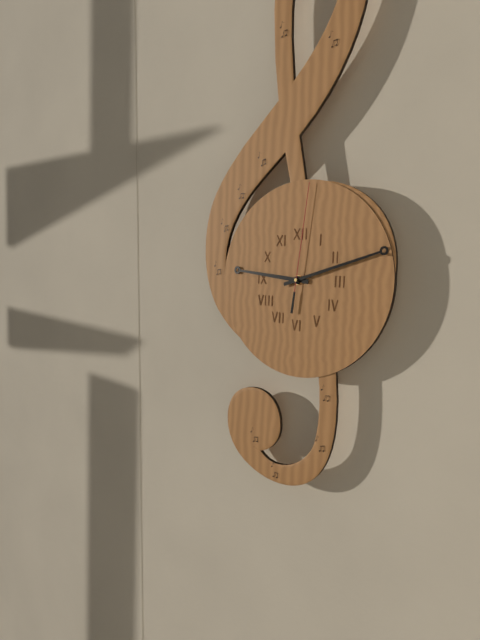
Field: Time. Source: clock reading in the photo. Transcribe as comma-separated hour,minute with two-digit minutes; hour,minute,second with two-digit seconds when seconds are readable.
9,12,01
